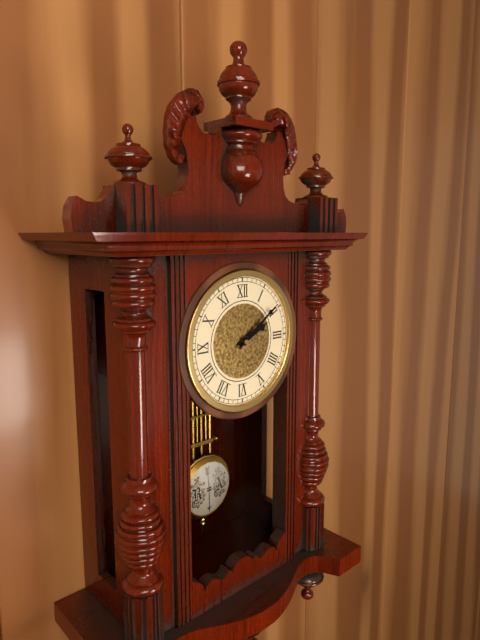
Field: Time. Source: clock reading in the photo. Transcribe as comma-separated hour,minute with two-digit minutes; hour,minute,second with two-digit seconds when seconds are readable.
2,09
